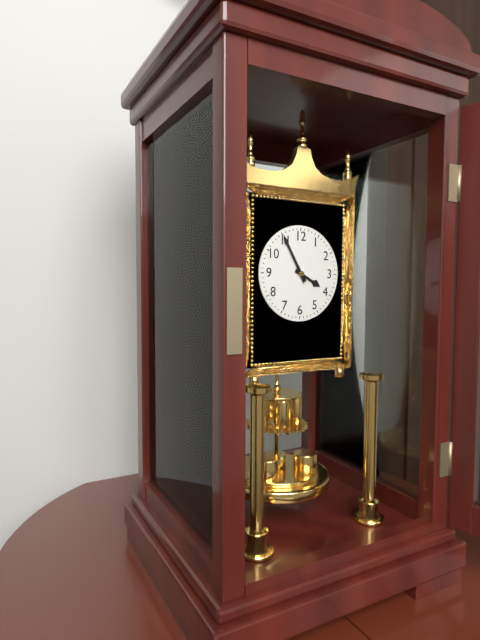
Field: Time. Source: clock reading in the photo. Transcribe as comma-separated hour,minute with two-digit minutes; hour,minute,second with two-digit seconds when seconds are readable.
3,55
